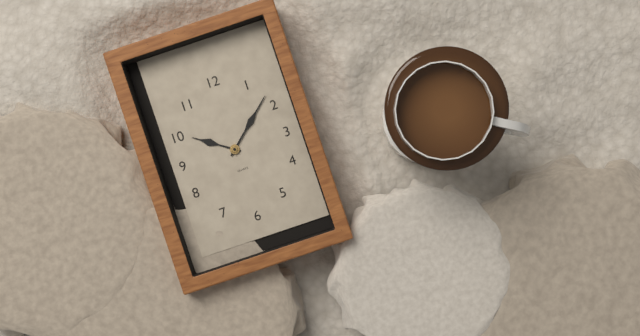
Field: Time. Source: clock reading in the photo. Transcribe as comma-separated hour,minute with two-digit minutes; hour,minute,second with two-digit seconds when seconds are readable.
10,08
